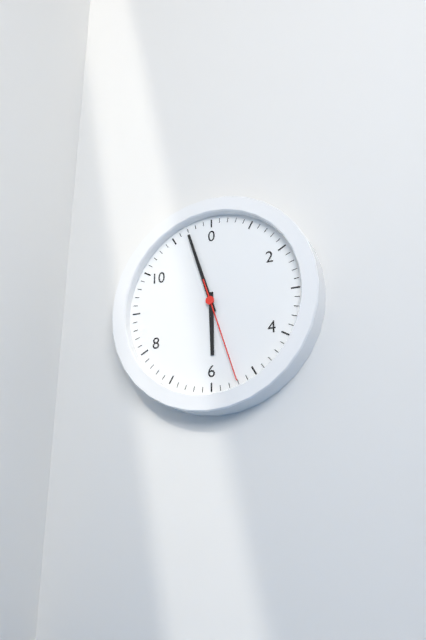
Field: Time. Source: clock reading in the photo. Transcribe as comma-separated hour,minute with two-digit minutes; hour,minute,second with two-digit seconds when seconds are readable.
5,57,27
